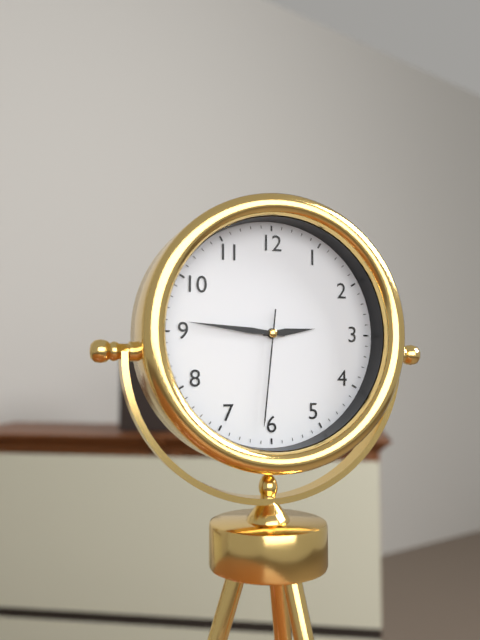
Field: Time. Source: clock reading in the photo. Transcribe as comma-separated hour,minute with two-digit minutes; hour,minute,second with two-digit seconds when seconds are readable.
2,46,31
